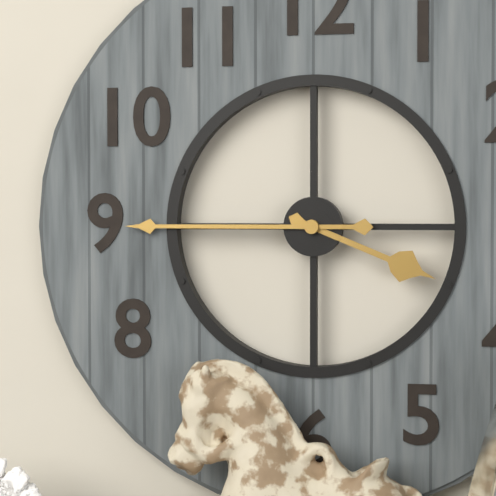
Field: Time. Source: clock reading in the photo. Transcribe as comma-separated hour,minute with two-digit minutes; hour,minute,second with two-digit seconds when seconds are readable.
3,45
